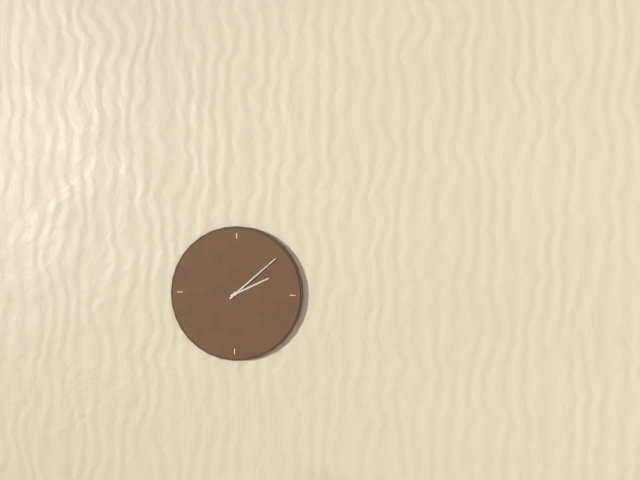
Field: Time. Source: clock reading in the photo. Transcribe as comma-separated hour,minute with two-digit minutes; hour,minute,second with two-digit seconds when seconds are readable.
2,08
